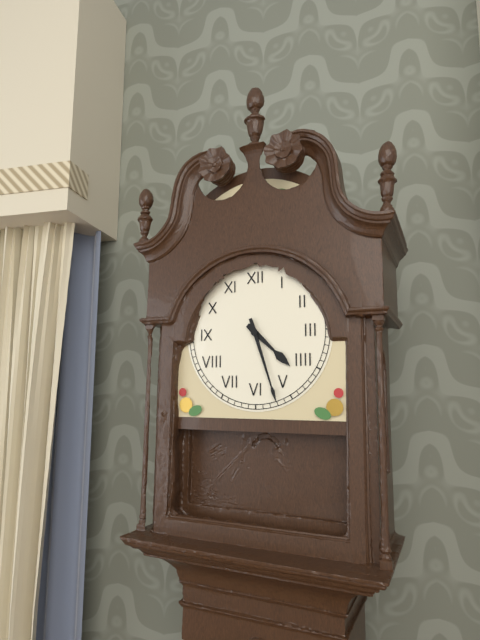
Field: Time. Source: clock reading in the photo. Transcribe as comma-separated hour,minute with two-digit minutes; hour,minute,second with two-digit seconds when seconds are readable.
4,27
